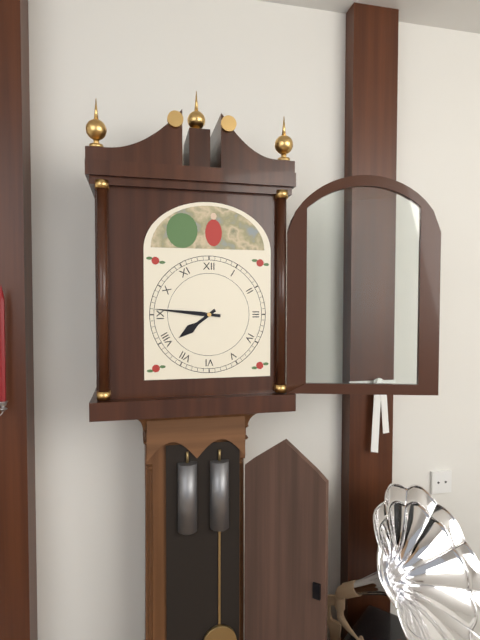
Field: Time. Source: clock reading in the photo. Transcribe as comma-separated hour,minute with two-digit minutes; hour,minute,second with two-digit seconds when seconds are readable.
7,46
